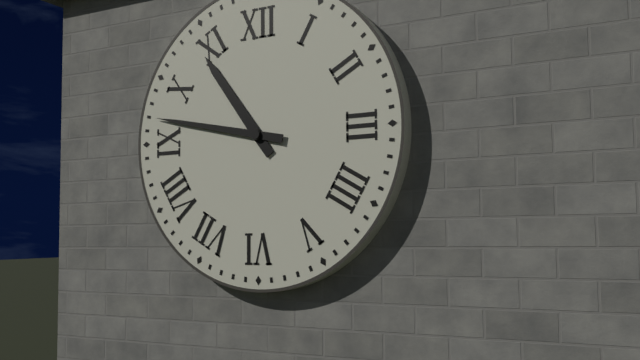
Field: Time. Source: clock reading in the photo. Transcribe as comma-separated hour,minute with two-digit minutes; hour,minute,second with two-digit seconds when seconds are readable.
10,47
